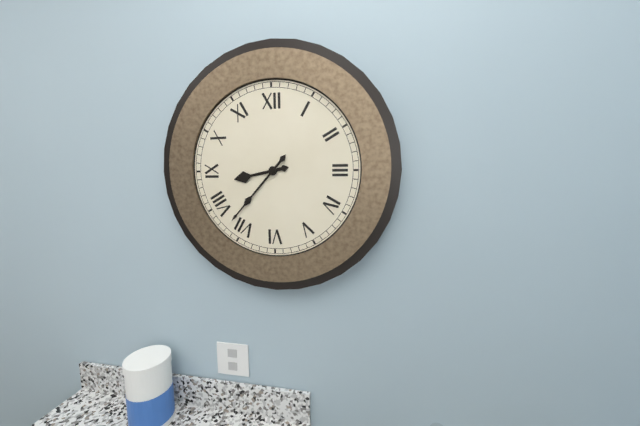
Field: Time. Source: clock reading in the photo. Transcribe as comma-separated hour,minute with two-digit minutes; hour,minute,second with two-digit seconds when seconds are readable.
8,37
